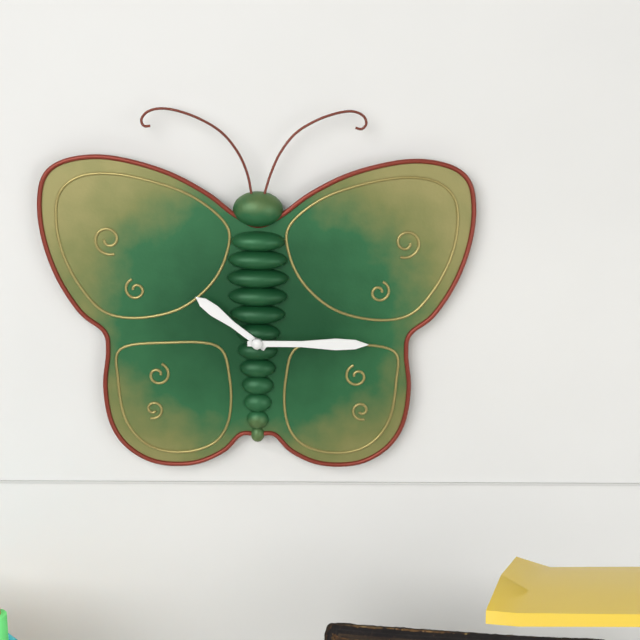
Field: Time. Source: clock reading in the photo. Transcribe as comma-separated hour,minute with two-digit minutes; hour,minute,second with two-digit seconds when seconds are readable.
10,15
